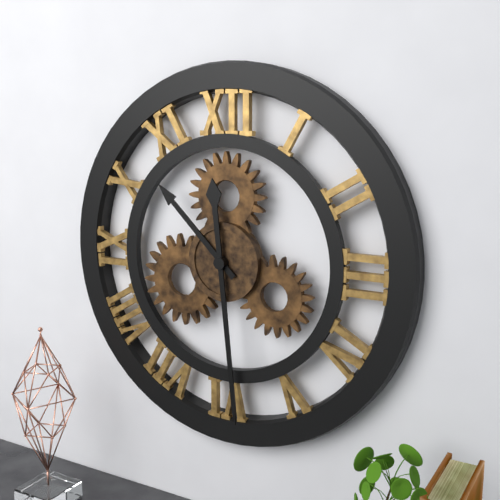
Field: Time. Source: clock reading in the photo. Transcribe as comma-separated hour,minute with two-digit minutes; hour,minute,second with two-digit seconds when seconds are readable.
10,29
